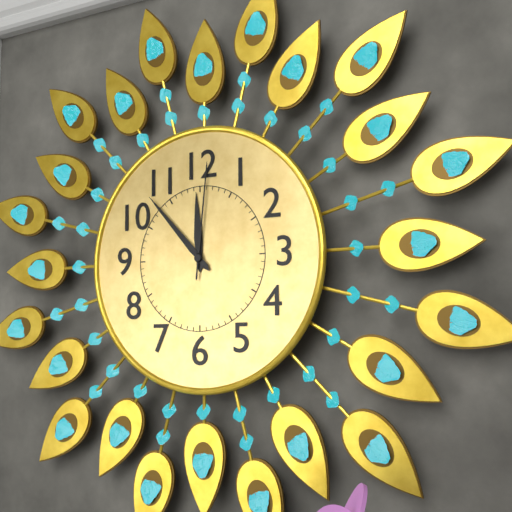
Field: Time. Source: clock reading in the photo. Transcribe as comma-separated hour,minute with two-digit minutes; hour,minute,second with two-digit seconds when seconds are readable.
11,53,01
